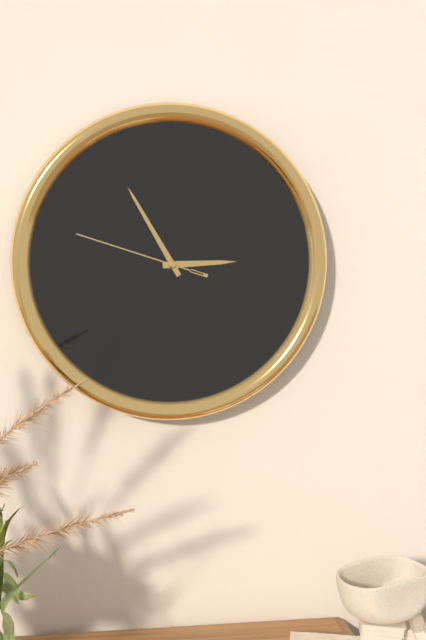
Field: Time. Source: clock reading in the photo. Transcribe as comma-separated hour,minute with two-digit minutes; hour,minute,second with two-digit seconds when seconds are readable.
2,55,48
